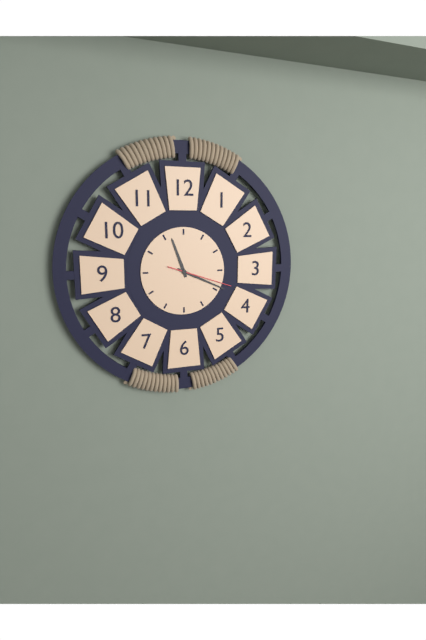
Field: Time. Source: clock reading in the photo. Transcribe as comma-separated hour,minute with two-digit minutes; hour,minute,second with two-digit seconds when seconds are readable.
11,19,18
